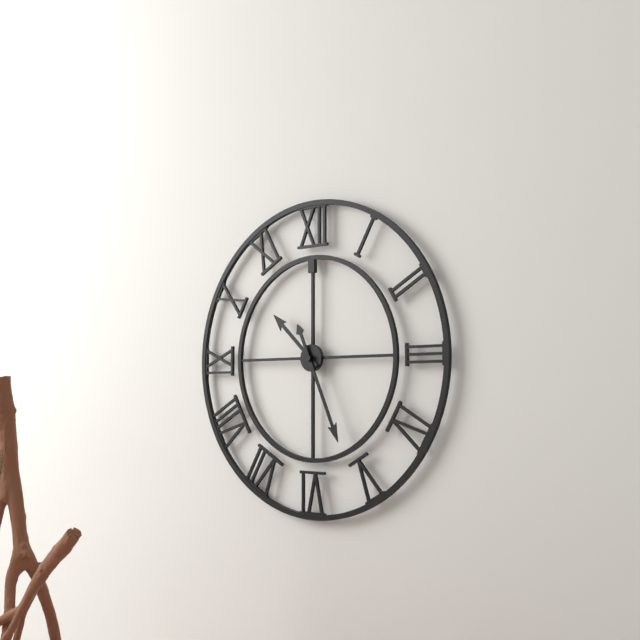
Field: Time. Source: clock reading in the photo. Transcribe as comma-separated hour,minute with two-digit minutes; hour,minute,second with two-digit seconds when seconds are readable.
10,26
